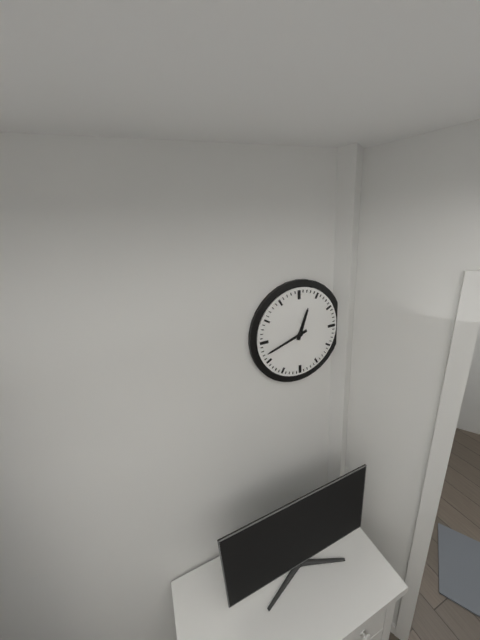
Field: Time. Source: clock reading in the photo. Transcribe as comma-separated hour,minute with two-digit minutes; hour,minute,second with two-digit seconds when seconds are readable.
12,42
